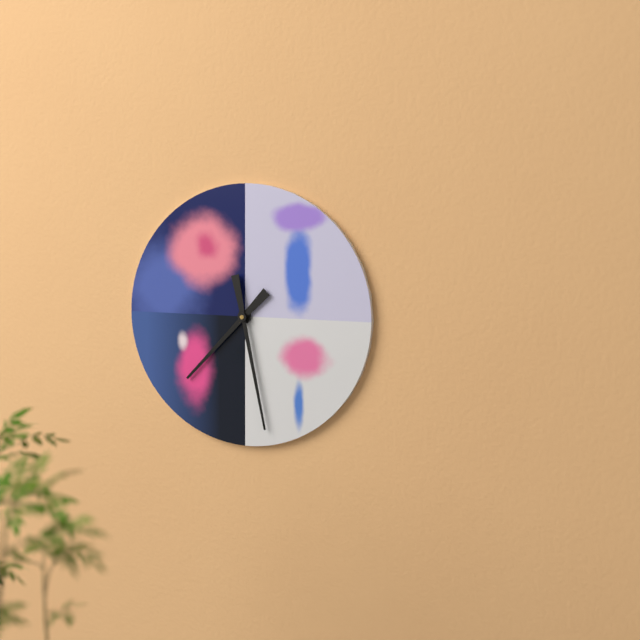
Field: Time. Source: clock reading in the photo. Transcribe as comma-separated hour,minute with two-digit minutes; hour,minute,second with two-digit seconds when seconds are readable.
7,28
